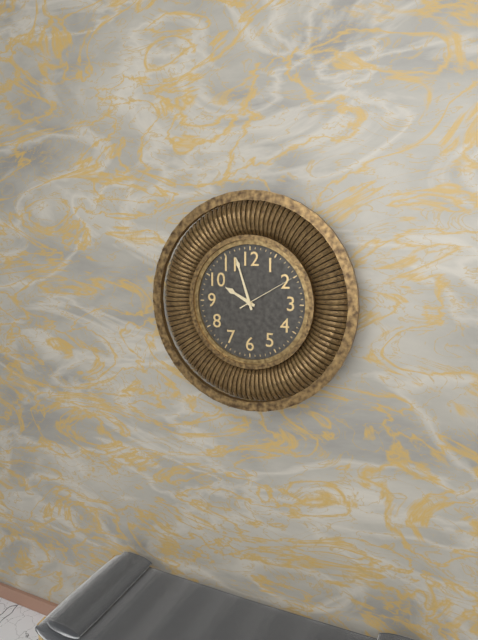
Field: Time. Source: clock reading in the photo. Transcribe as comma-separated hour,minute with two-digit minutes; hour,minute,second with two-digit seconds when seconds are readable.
9,57,10
